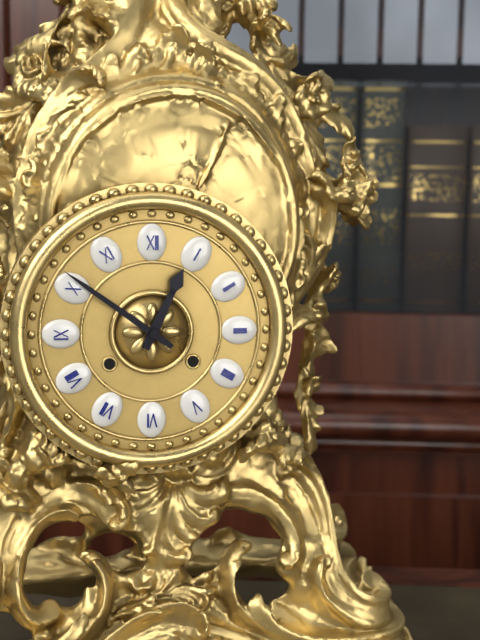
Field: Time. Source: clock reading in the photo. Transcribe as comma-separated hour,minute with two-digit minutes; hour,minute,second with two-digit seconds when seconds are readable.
12,51
